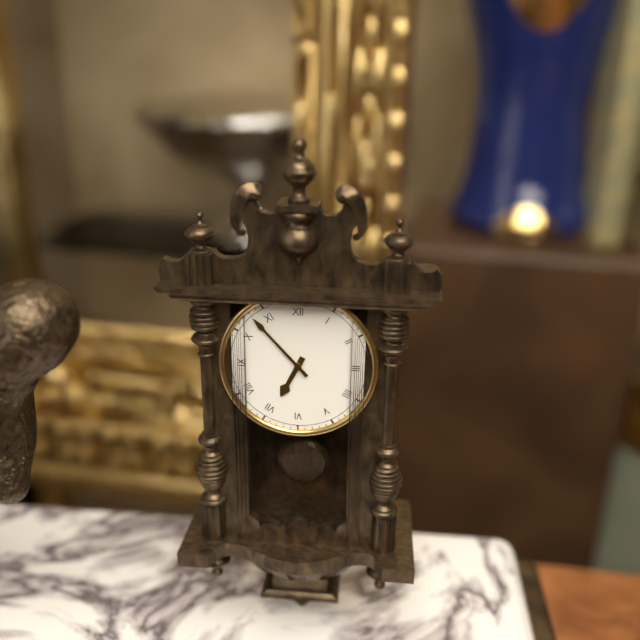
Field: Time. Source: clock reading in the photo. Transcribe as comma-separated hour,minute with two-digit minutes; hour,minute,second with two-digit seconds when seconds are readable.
6,53
